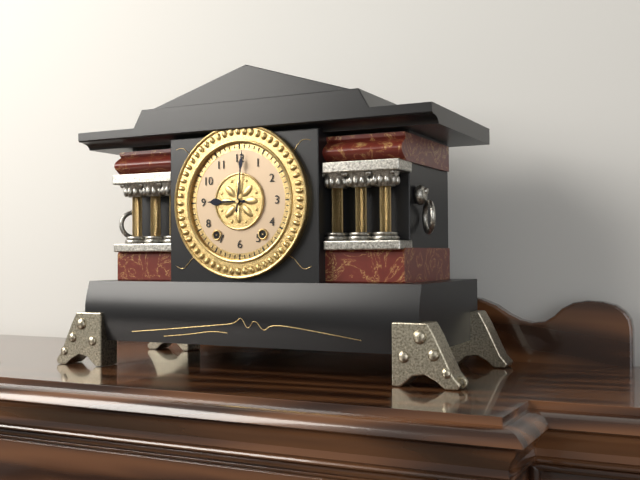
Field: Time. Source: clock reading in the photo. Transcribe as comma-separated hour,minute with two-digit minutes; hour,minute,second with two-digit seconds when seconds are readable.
9,01
